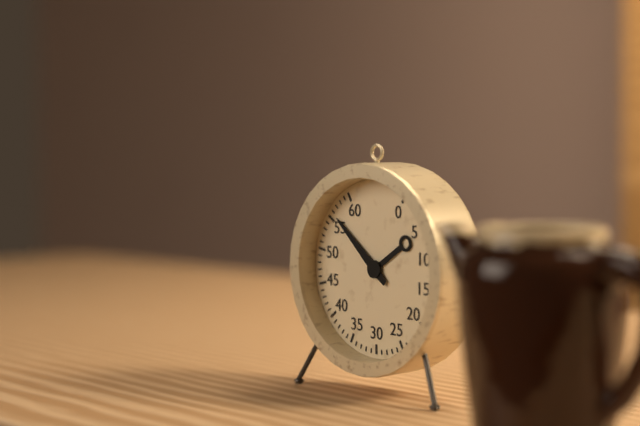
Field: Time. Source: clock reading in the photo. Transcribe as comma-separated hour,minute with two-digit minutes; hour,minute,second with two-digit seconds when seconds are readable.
1,52
